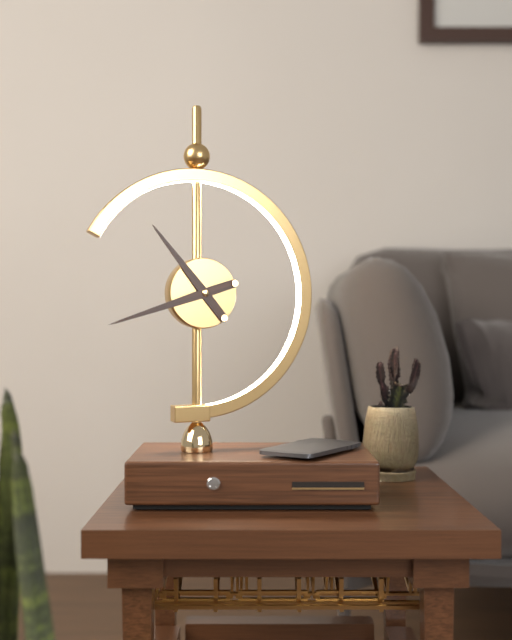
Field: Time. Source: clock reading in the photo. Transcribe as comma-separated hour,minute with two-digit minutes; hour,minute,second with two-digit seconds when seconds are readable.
10,42
